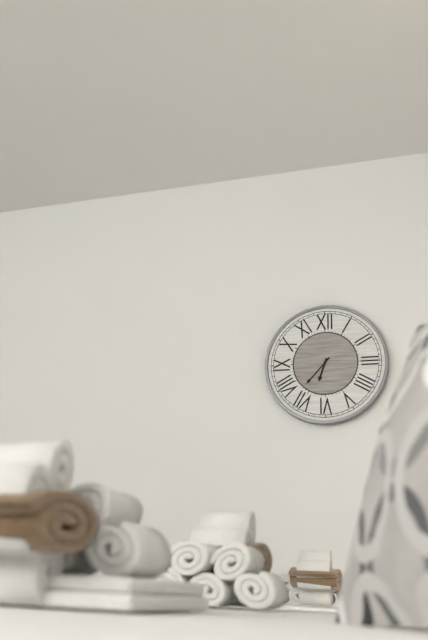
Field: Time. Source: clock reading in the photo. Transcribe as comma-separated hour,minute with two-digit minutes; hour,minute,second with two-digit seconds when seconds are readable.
6,37
